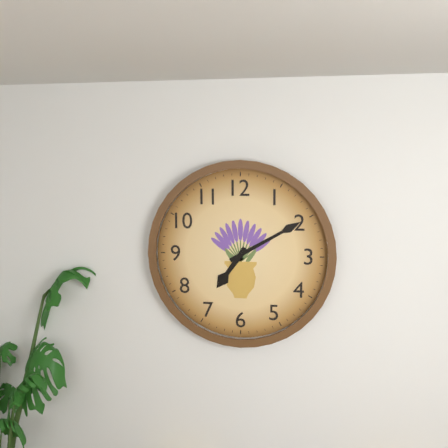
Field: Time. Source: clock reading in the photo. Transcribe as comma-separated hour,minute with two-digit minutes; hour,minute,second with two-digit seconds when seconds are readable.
7,10
